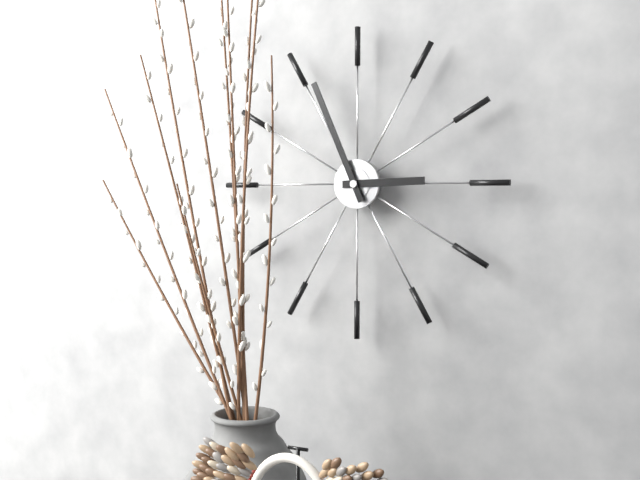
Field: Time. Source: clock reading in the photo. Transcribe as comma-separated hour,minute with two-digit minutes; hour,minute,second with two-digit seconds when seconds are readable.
2,56
